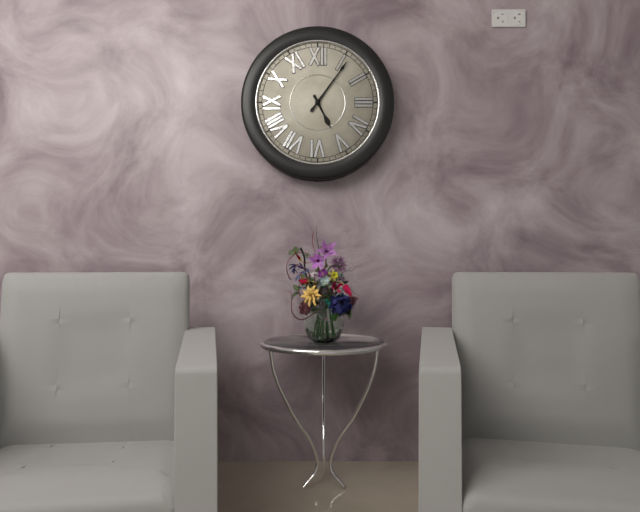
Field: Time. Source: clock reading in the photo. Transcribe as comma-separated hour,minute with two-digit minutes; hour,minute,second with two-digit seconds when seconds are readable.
5,06
